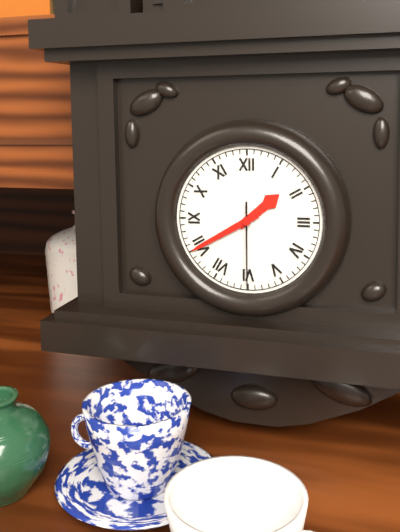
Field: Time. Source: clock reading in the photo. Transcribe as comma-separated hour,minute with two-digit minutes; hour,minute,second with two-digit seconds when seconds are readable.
1,40,30
